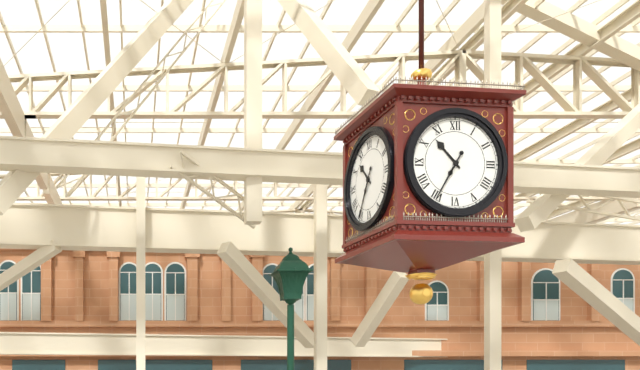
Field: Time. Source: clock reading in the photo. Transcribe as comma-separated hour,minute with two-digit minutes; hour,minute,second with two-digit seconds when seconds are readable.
10,35
